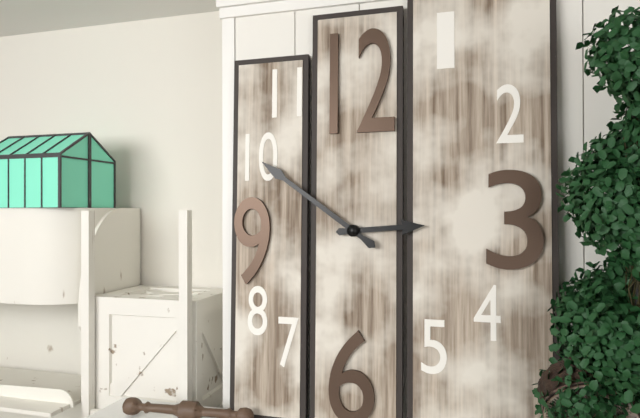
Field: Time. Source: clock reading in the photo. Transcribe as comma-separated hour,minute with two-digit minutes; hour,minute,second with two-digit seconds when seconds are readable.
2,51
